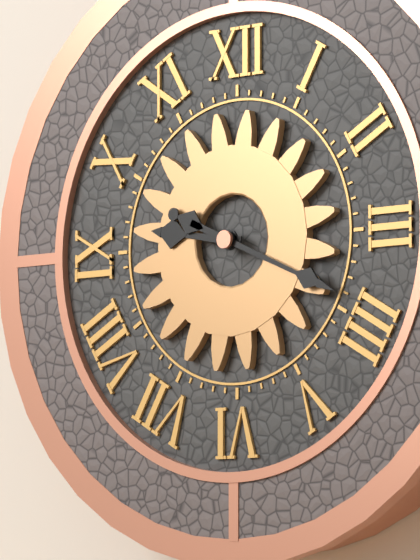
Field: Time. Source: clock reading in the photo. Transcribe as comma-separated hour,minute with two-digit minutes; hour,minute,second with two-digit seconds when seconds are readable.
9,19
